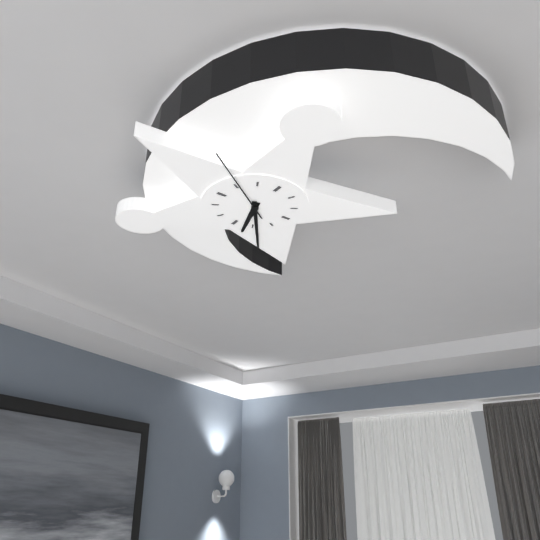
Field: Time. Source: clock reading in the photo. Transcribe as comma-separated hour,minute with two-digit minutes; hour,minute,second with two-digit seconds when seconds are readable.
5,24,51
